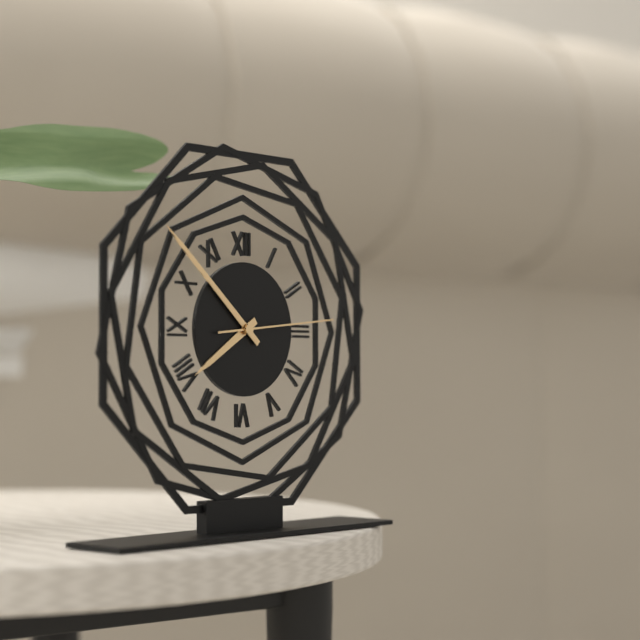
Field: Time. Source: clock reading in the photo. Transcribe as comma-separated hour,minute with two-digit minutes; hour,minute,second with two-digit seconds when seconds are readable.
7,52,14
